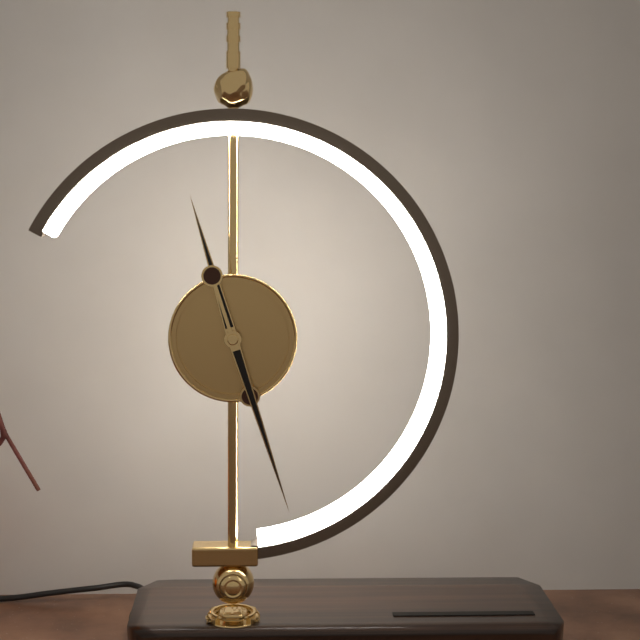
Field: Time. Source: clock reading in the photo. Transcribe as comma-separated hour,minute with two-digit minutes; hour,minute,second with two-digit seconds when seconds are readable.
11,27
